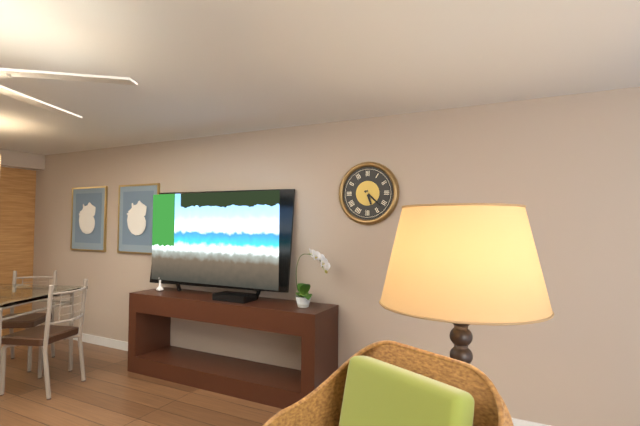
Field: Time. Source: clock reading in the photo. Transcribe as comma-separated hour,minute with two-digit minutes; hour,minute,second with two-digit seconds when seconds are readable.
5,22
